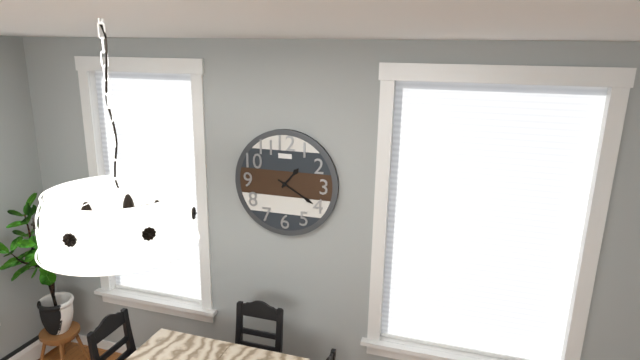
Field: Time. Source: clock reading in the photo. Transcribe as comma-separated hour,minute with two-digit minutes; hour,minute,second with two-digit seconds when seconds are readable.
1,20
